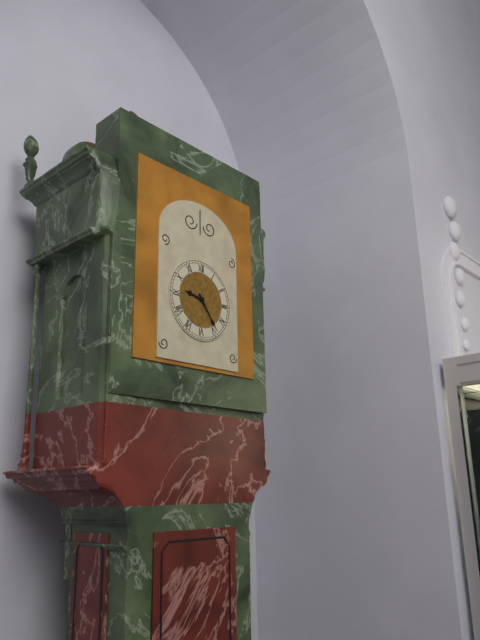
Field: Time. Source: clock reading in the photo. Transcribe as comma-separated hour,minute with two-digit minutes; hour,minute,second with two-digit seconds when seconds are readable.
9,24
